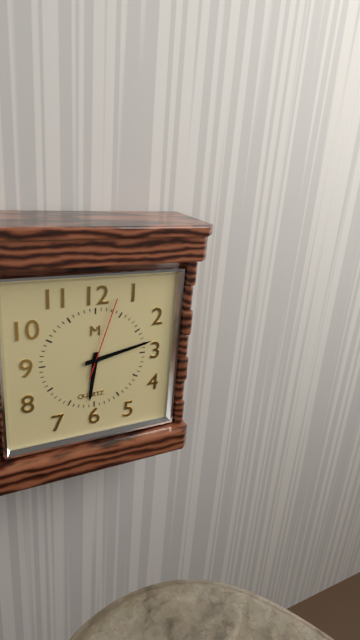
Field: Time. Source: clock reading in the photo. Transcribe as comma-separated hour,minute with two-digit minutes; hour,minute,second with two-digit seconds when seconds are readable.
6,13,03
